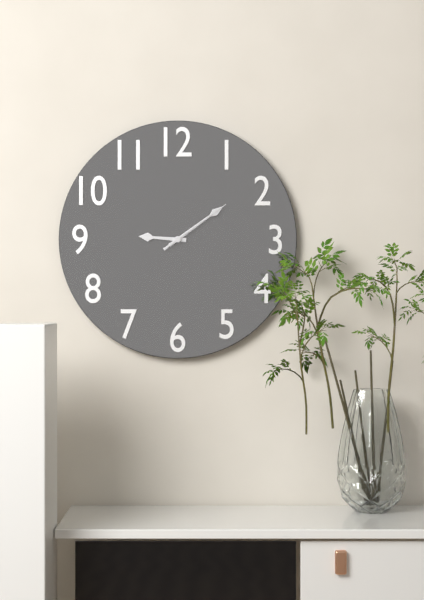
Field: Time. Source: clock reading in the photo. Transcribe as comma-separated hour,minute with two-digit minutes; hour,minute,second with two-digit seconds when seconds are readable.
9,09,09
